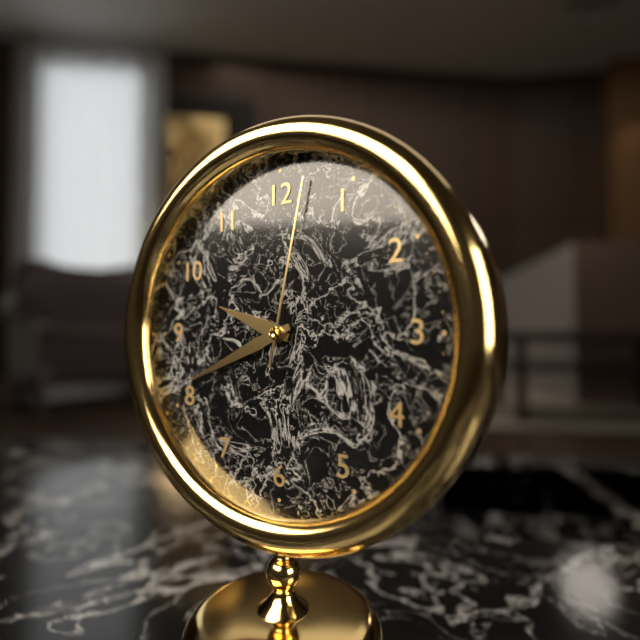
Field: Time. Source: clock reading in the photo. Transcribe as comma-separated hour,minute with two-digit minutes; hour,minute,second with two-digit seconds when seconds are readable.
9,41,02
